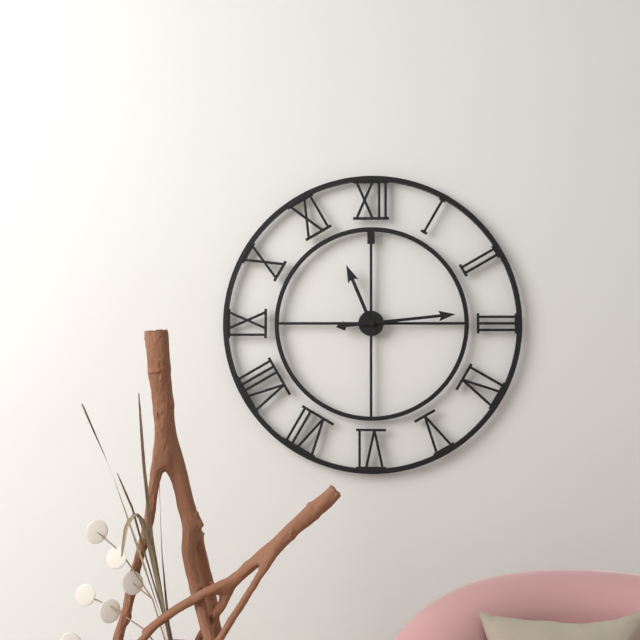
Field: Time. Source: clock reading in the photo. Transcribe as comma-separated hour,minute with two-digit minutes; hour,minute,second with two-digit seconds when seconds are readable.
11,14
